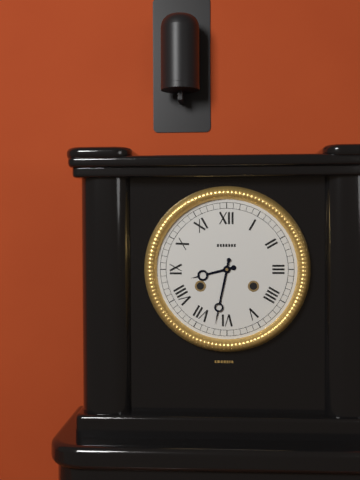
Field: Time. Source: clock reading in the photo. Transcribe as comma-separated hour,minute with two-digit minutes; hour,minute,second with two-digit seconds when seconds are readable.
8,32
